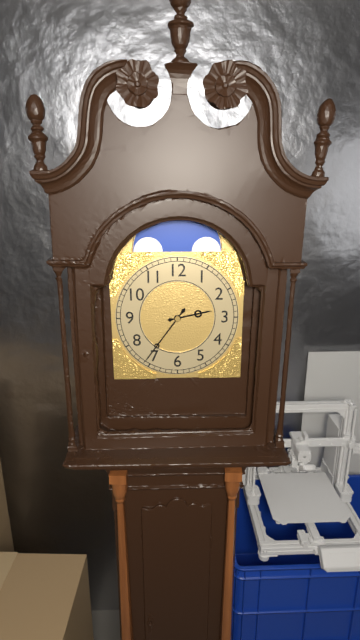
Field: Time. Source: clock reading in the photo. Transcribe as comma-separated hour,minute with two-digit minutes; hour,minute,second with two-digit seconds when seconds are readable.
2,36
